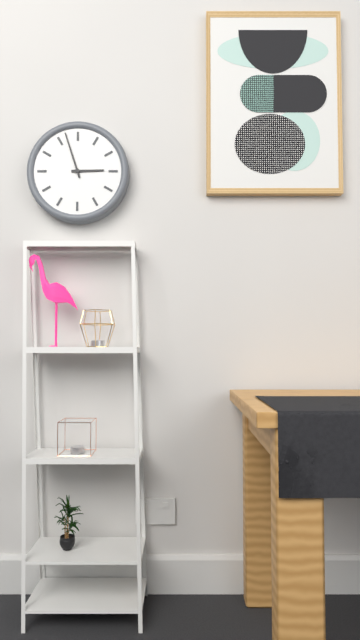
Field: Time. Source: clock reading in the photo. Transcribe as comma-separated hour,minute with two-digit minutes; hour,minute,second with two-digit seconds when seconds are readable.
2,57
